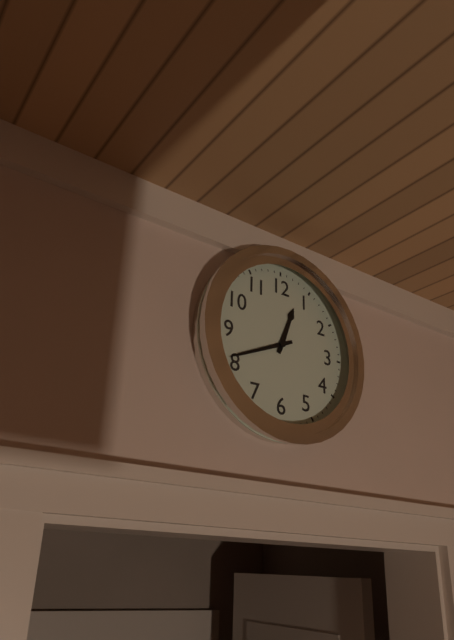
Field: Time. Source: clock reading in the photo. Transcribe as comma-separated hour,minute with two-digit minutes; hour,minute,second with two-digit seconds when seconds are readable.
12,41
